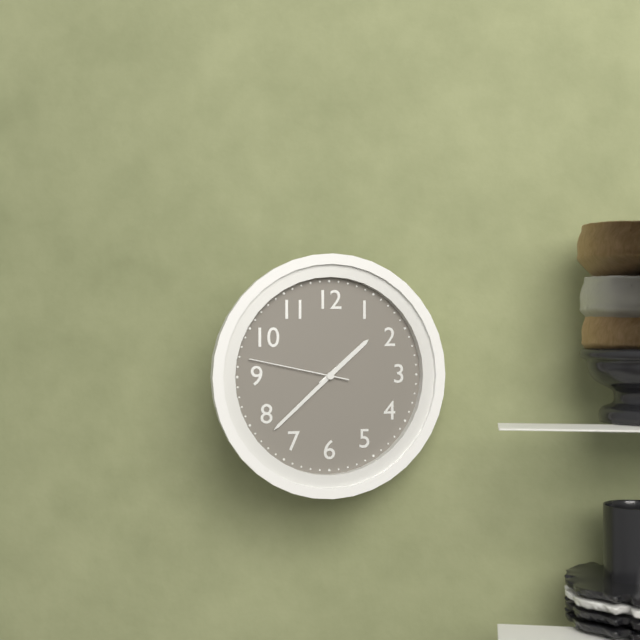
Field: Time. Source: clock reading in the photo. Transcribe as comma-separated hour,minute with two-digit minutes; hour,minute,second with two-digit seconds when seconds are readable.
1,38,47
